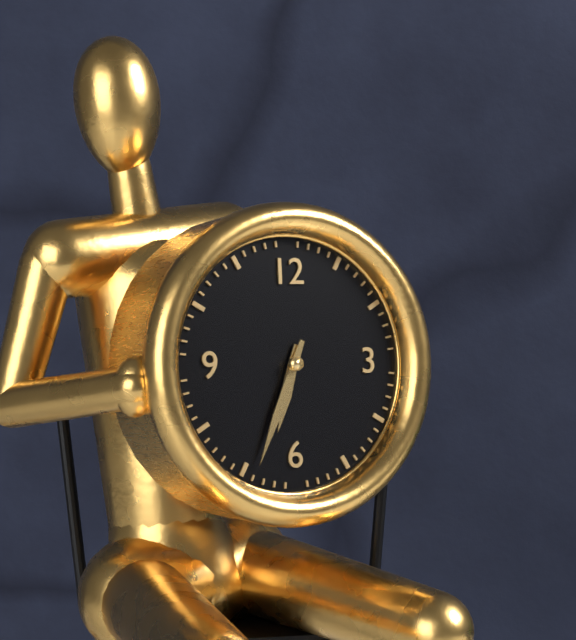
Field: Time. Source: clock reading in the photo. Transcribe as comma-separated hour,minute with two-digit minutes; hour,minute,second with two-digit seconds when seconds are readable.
6,34
